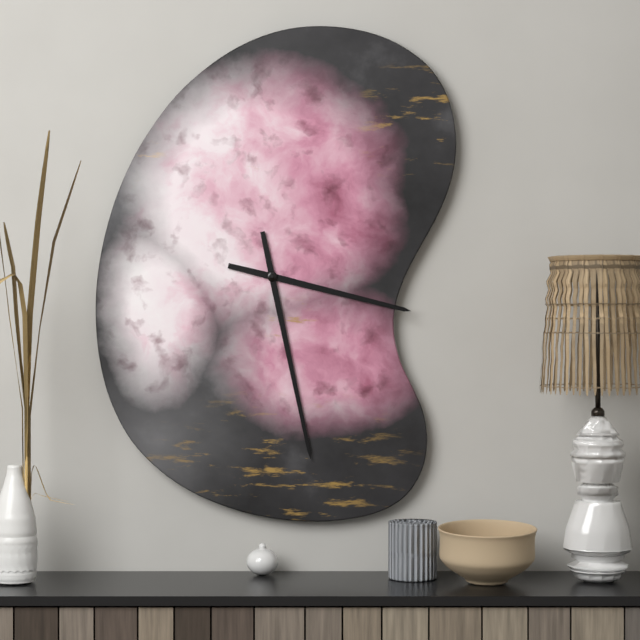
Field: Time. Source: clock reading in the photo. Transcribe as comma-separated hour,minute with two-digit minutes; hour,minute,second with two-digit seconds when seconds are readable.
3,28
